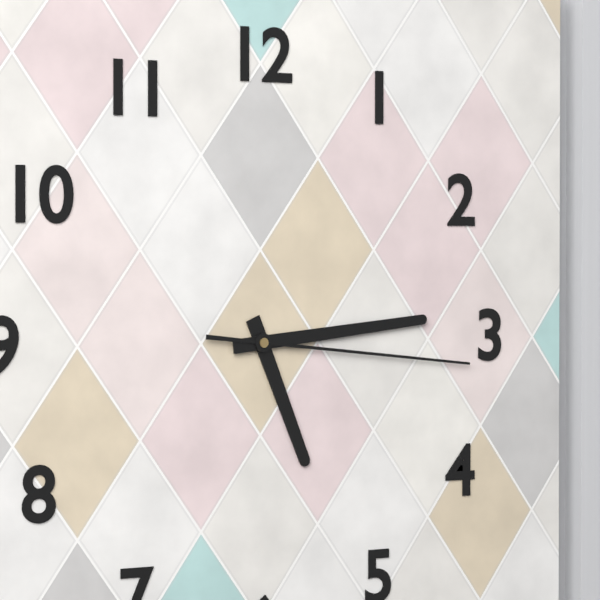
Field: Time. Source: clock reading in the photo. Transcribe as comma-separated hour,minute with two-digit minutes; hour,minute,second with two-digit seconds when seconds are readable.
5,14,16
